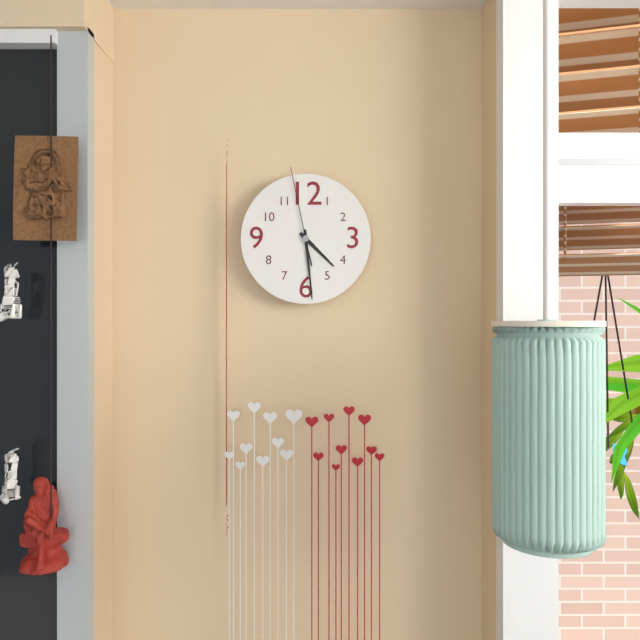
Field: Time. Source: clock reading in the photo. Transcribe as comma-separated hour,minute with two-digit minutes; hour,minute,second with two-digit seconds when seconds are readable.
4,29,58
